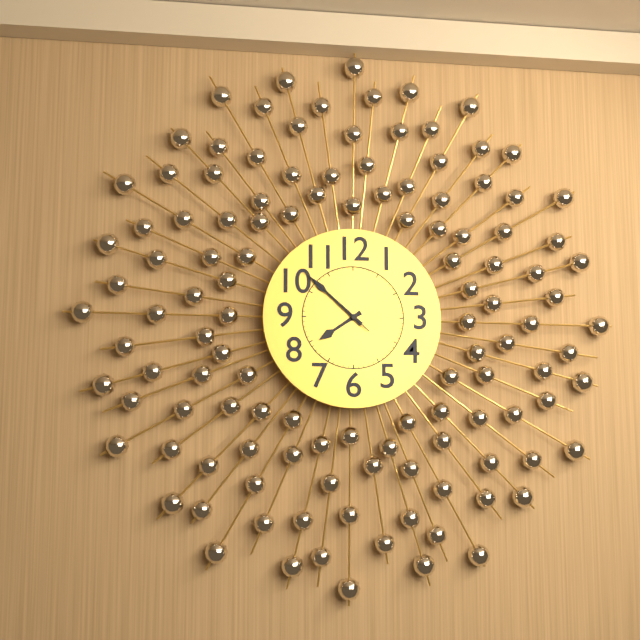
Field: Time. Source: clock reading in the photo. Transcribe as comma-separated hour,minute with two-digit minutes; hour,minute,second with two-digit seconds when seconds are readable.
7,52,52
